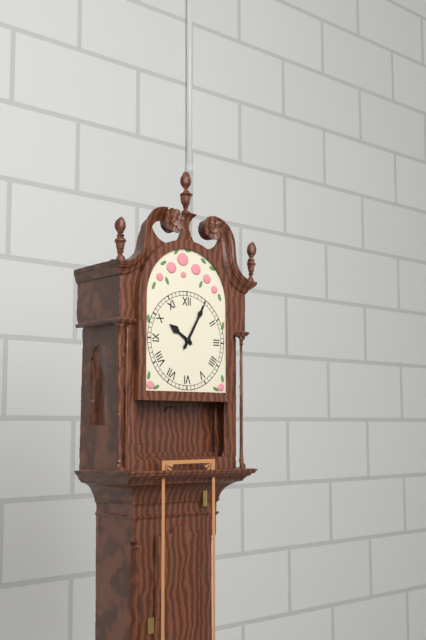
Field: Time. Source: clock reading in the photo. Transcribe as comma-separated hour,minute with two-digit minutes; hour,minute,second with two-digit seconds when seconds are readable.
10,05
